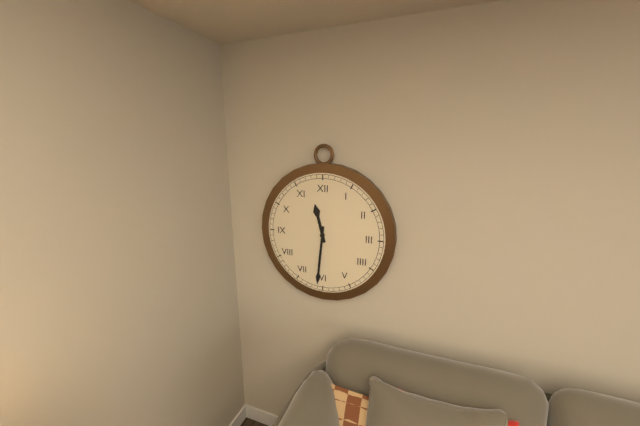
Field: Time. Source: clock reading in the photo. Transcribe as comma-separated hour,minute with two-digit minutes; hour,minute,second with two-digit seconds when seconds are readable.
11,31
